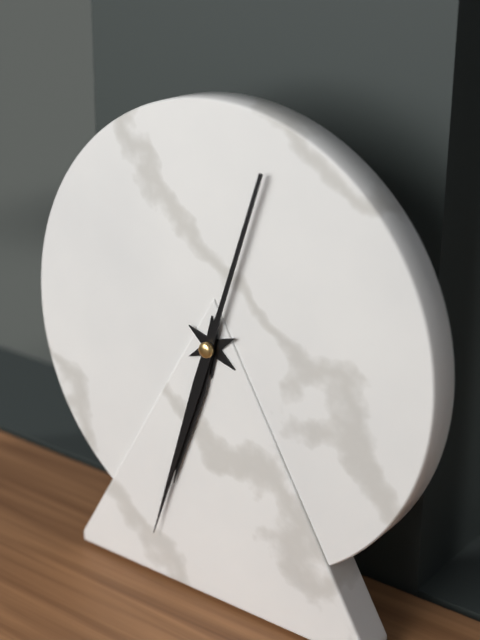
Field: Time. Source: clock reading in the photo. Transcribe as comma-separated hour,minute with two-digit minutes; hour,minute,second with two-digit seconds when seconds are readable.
6,33
